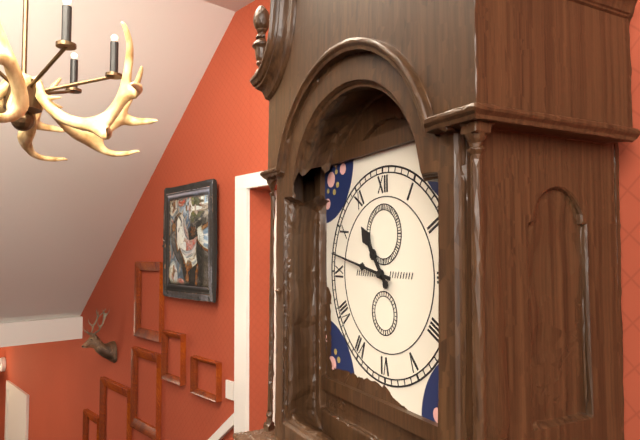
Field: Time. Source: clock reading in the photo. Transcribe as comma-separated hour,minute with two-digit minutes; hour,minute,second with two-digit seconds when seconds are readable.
10,47
